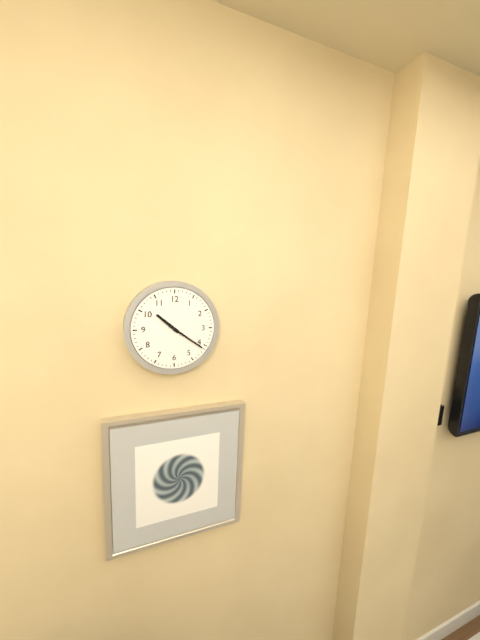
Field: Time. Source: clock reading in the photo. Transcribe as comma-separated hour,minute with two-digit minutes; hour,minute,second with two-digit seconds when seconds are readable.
10,21
